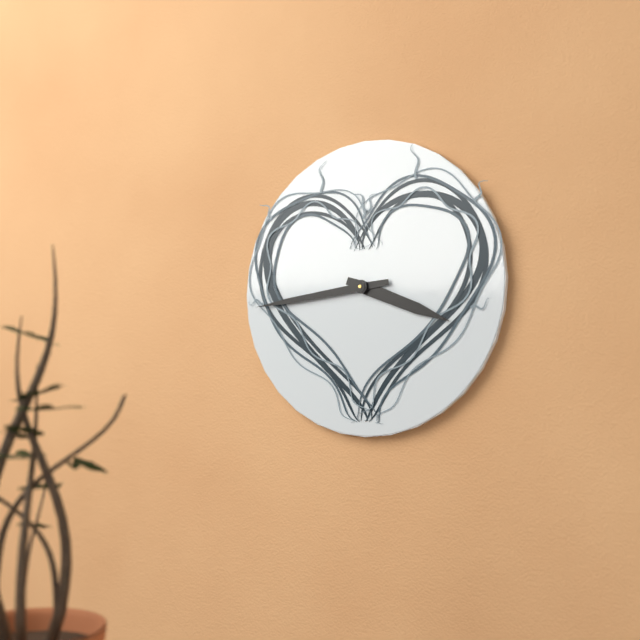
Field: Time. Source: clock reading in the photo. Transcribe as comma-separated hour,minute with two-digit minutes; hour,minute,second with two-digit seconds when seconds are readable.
3,44
